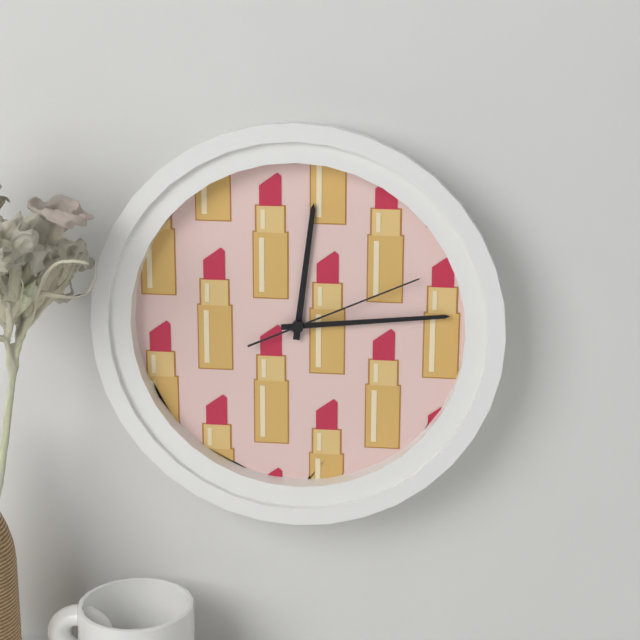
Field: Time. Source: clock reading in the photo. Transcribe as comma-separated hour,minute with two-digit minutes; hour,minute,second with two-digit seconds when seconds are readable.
12,14,11
